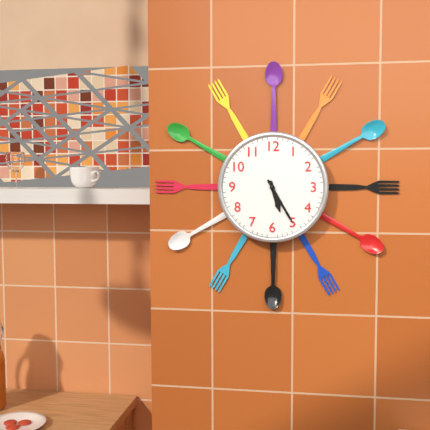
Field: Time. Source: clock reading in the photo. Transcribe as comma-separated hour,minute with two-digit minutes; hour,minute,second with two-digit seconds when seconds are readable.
5,25
